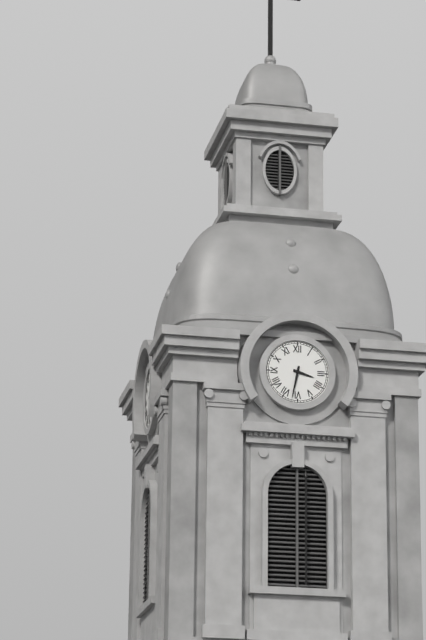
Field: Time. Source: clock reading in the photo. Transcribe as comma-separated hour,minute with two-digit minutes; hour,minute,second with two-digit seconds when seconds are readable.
3,32
